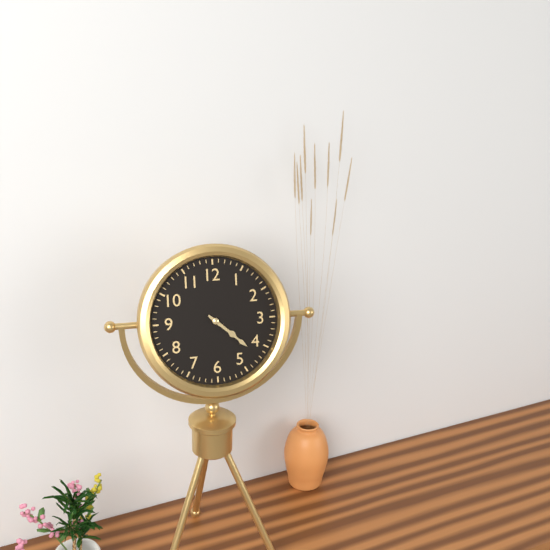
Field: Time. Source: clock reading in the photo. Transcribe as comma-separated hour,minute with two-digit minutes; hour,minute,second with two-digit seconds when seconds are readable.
4,22
